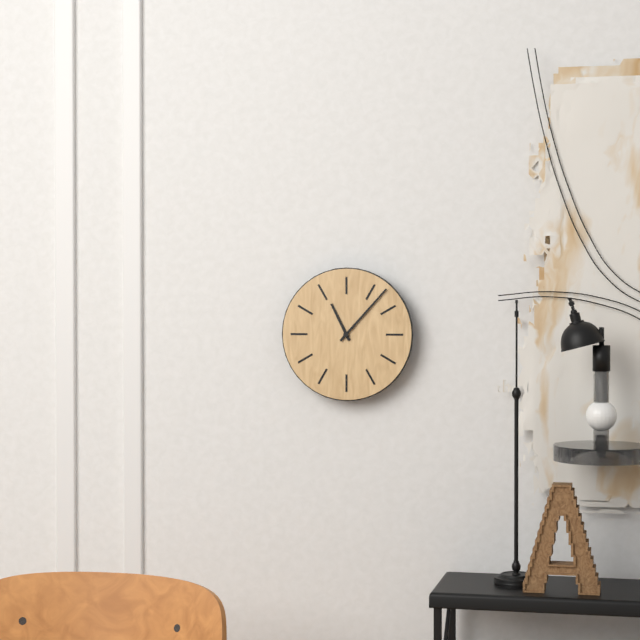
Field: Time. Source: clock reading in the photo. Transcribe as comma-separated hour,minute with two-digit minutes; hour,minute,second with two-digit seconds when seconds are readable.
11,07
